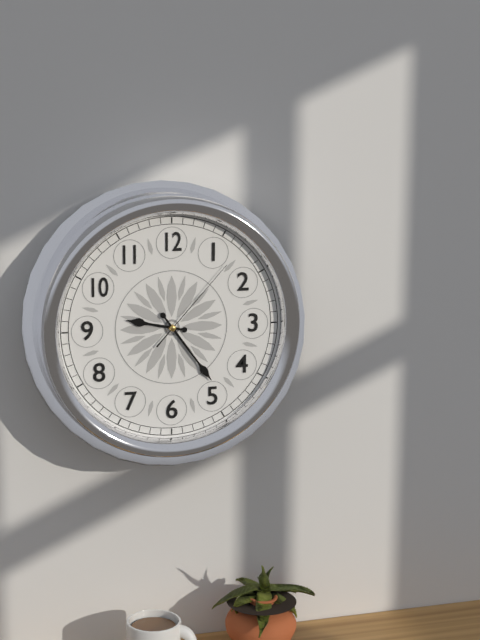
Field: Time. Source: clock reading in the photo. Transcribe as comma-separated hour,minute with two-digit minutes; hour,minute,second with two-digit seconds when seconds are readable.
9,24,07
